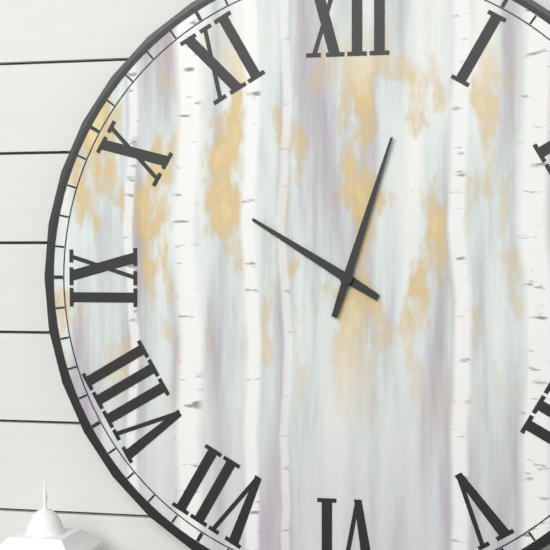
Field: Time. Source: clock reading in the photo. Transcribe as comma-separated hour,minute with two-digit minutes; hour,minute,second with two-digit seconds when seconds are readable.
10,03
